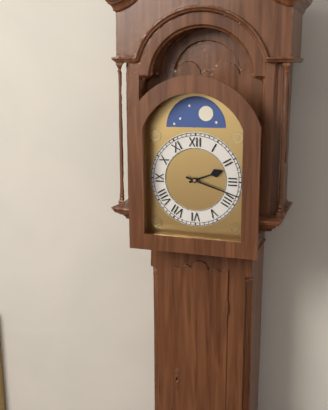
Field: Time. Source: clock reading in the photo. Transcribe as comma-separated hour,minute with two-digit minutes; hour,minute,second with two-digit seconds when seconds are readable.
2,18
